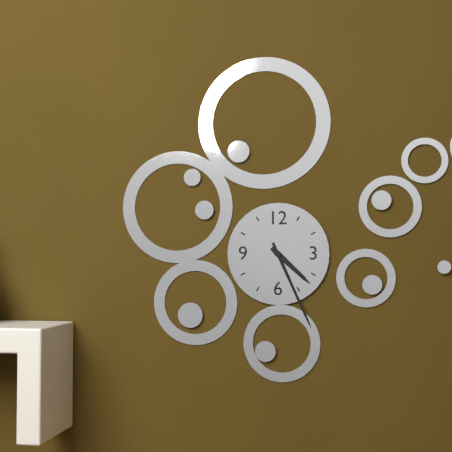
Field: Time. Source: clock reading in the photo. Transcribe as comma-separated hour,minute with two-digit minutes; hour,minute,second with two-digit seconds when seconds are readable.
4,26
